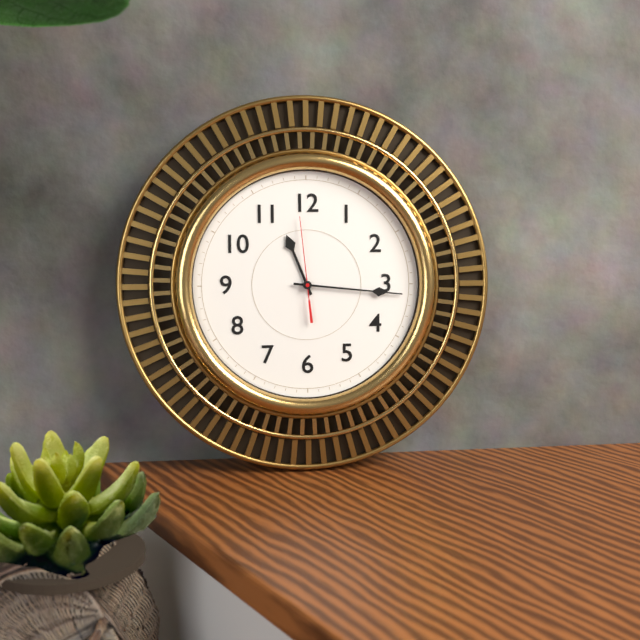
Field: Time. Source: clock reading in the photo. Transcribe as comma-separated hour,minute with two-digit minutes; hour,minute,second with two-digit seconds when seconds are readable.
11,16,59
